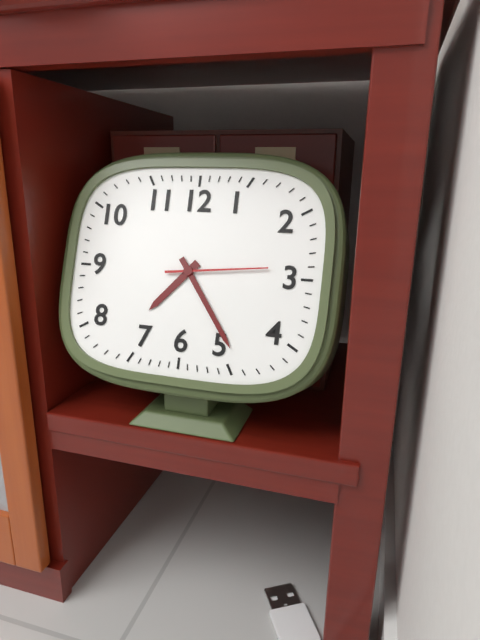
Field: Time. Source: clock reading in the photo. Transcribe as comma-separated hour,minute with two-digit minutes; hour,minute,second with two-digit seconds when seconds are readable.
7,24,14
